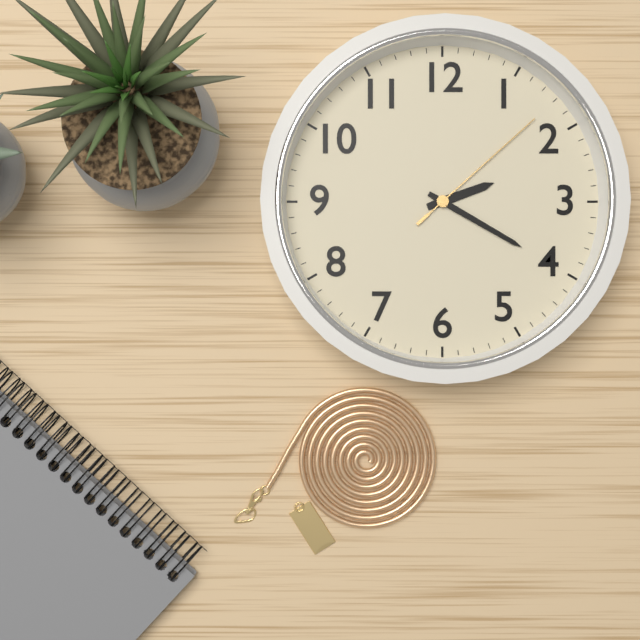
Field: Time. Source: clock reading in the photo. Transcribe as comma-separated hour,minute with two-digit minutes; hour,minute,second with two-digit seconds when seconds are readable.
2,20,08
